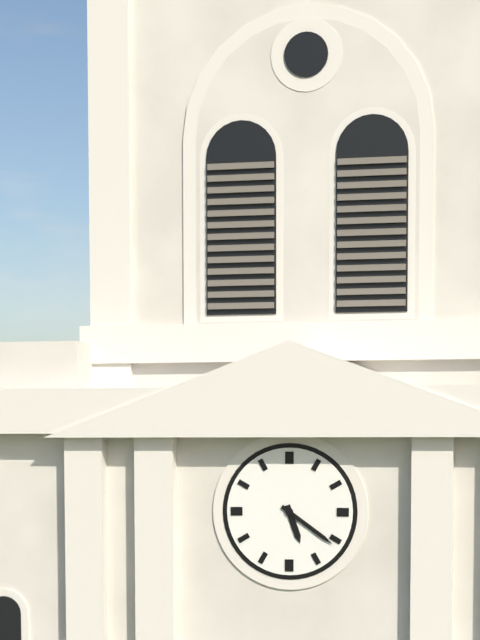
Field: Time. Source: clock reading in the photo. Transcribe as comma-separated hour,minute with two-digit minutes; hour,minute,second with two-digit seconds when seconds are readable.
5,21
